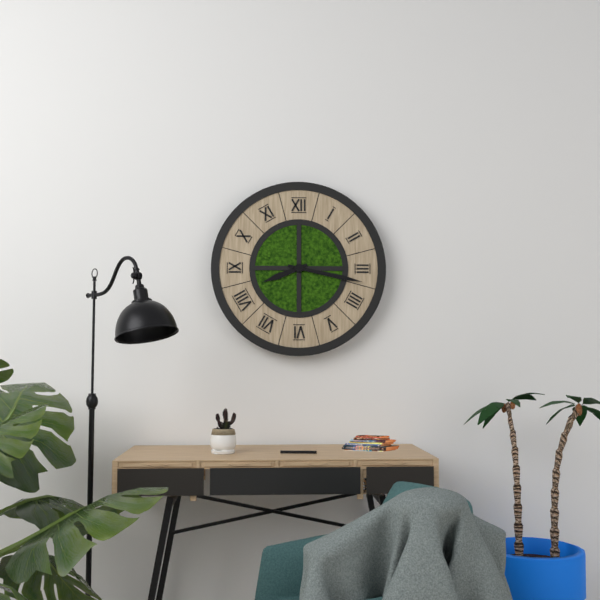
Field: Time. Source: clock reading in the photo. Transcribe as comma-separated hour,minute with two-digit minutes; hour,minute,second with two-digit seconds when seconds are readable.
8,17
